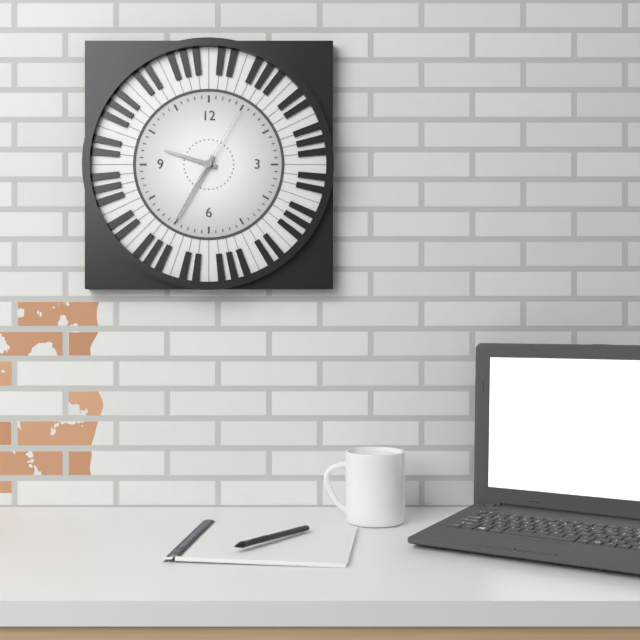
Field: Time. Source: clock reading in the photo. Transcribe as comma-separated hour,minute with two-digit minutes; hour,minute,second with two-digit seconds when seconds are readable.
9,35,05
